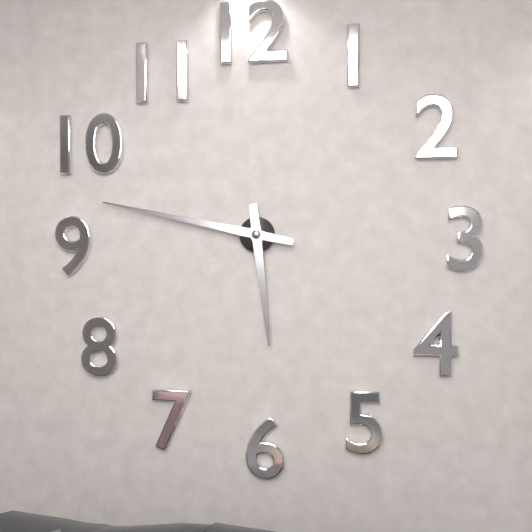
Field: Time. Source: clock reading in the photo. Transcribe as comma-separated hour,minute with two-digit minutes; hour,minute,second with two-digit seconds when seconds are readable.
5,47
